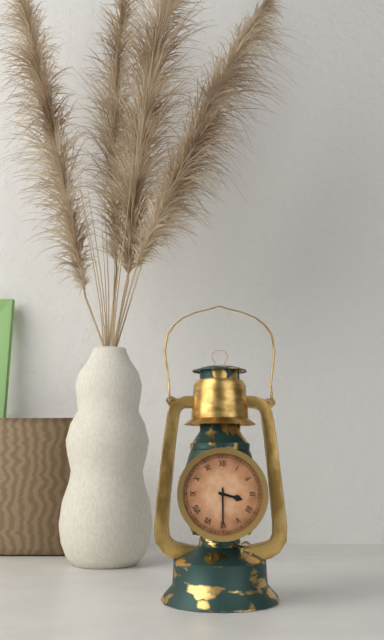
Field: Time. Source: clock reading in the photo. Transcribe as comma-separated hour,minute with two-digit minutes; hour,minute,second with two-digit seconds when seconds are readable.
3,30
